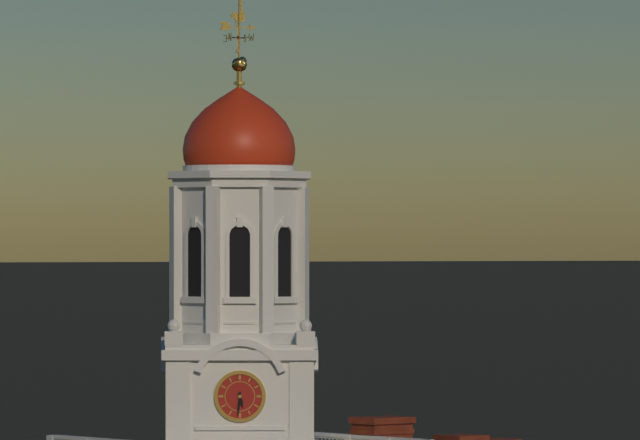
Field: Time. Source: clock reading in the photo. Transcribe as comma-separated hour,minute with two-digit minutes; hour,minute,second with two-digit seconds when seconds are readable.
5,31
